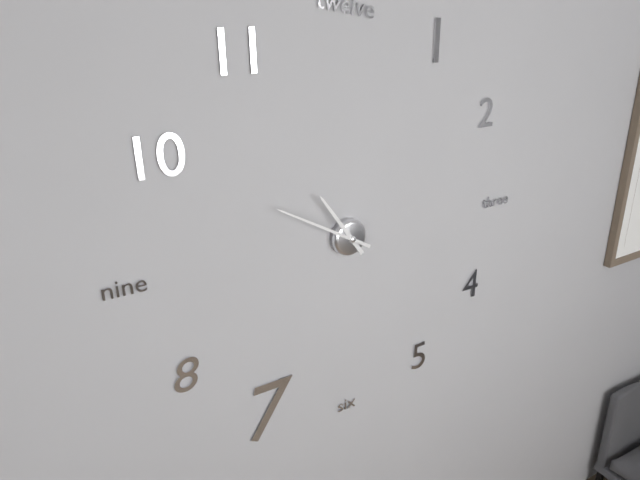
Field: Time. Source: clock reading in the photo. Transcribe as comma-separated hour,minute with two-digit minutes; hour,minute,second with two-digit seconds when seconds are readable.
10,50
